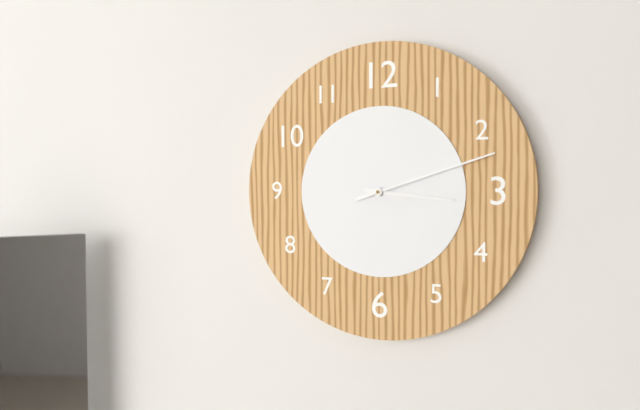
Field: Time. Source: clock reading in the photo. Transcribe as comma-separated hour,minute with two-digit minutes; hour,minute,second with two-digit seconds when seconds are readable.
3,12
